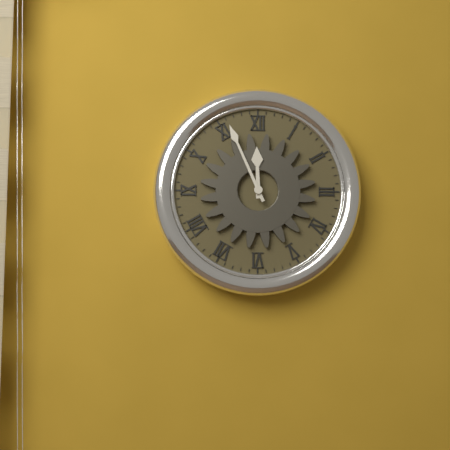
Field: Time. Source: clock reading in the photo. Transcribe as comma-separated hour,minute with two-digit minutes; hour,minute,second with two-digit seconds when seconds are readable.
11,56
